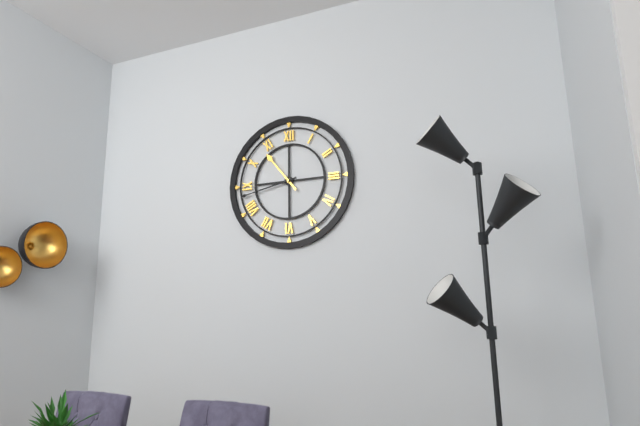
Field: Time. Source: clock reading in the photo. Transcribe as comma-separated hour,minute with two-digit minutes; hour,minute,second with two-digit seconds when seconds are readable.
10,43
